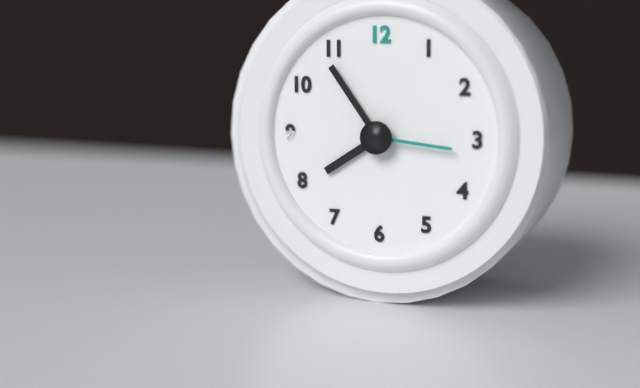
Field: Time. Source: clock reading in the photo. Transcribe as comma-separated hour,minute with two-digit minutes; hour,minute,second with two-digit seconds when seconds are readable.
7,54,16
